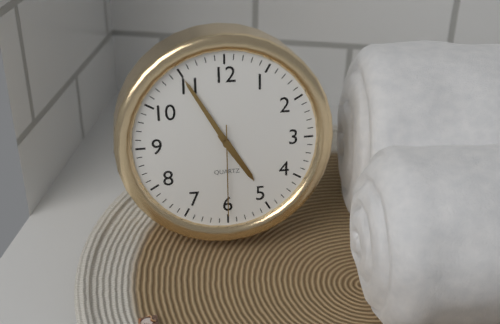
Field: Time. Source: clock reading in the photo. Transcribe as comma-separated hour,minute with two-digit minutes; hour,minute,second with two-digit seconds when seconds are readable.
4,55,30
